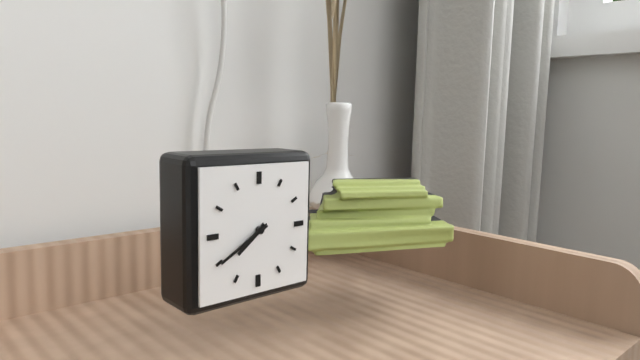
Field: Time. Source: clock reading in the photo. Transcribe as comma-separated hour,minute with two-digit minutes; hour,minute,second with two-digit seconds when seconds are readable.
7,40
